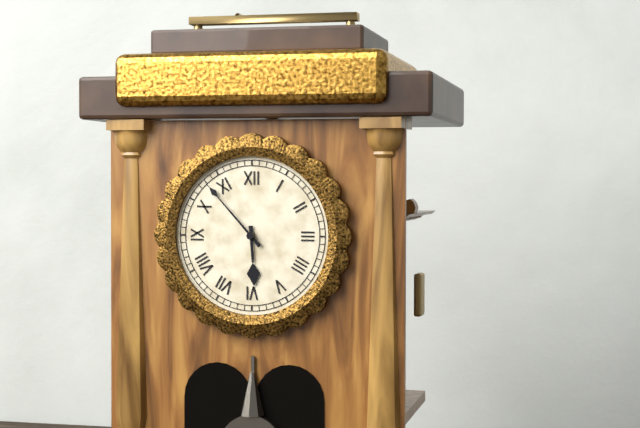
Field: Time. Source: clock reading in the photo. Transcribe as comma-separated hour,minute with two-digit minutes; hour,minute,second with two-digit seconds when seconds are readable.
5,53
